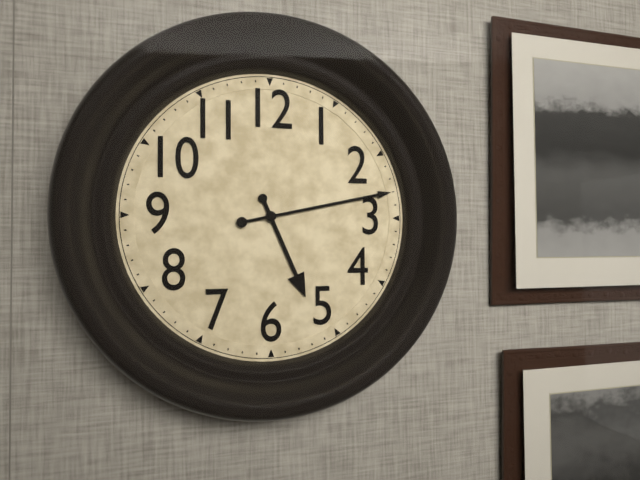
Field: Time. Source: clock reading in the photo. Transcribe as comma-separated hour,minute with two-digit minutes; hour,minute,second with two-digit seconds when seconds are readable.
5,13
